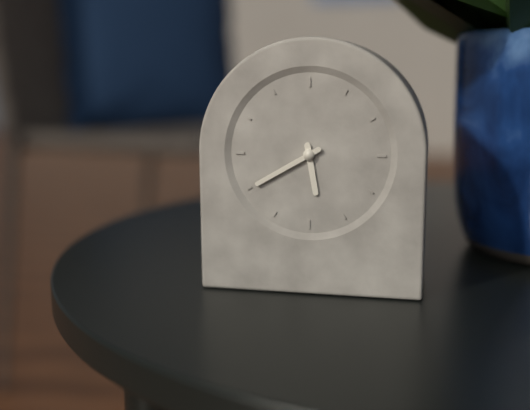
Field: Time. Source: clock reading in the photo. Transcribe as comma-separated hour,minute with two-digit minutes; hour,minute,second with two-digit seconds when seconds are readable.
5,40
